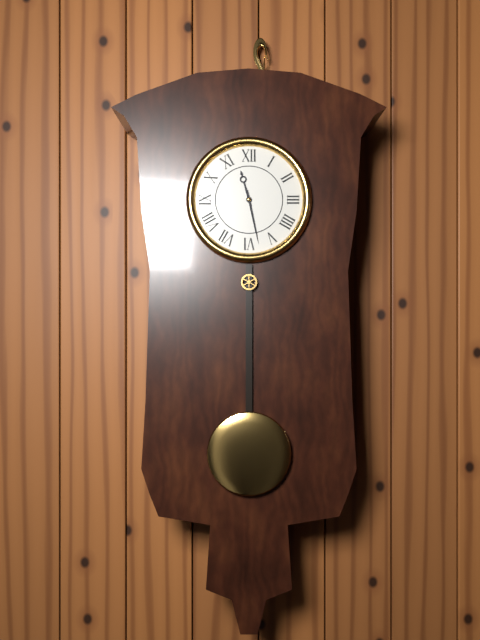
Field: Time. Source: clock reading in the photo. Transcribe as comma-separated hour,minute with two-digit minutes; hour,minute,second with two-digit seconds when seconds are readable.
11,28
